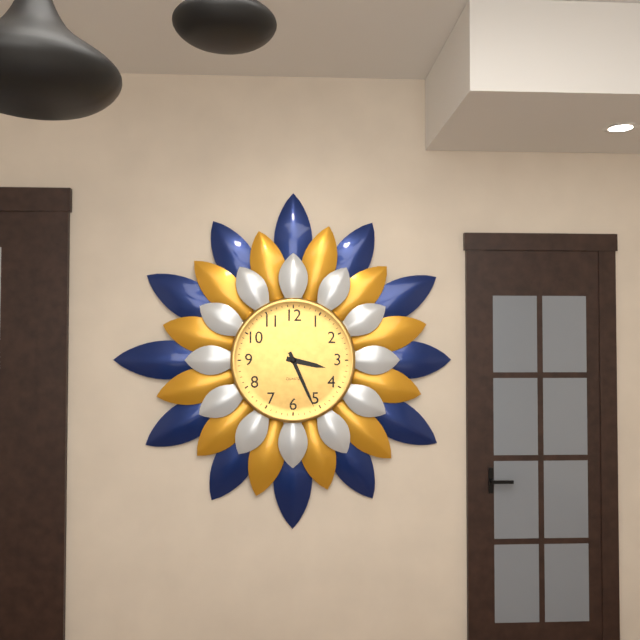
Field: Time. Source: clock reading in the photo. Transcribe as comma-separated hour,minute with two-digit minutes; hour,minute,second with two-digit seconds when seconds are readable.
3,26
